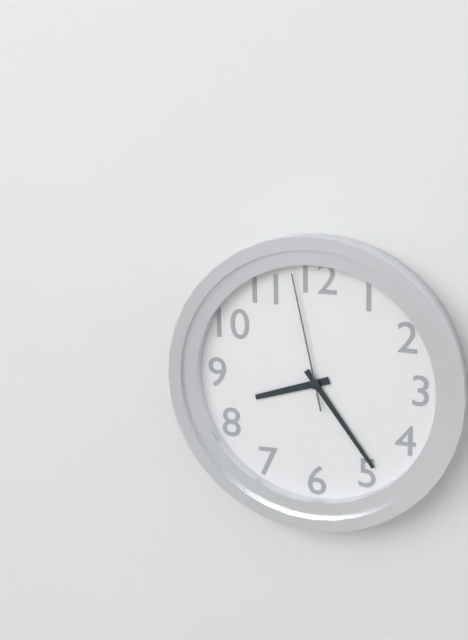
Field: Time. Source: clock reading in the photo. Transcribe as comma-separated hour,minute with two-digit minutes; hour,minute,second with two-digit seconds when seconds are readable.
8,24,58
